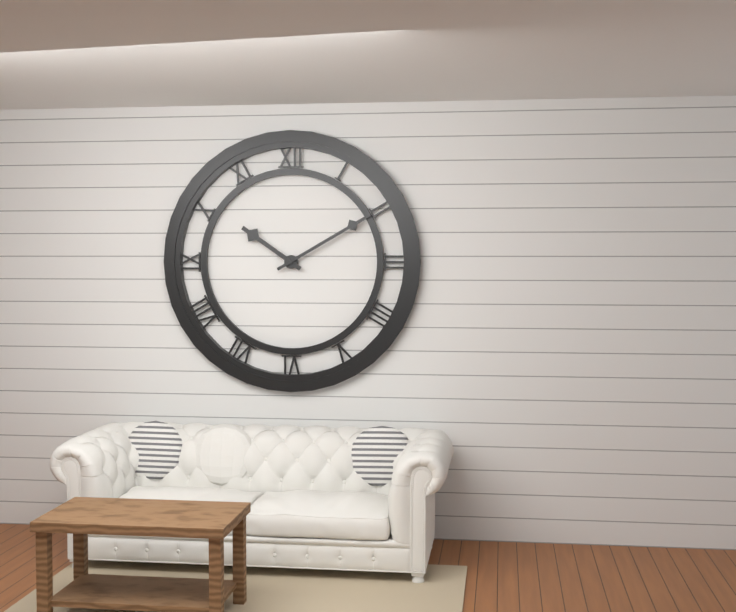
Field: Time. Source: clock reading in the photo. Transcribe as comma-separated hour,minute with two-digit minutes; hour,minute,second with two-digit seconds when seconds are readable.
10,10
